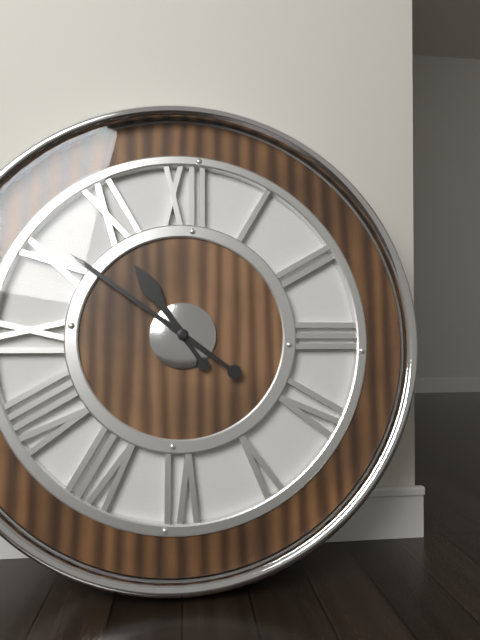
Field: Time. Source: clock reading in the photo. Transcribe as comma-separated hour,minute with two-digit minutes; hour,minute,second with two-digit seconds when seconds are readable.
10,51
